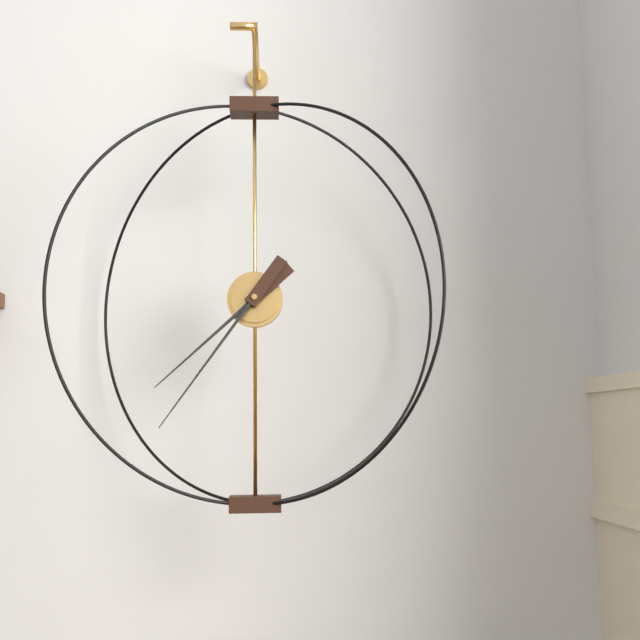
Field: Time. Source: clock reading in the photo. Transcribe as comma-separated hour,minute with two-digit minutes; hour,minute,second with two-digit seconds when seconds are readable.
7,36
